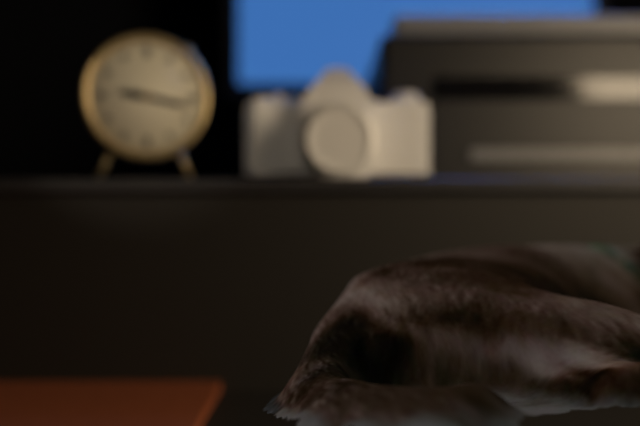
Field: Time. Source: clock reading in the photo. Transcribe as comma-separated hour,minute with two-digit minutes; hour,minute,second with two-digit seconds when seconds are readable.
9,17
